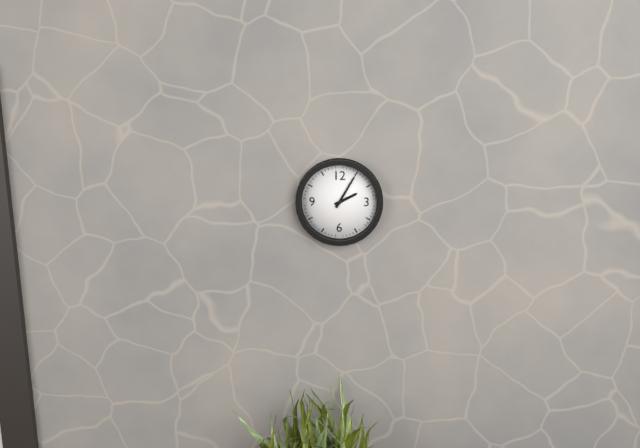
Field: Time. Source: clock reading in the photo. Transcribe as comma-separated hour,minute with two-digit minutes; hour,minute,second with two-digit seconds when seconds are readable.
2,05
